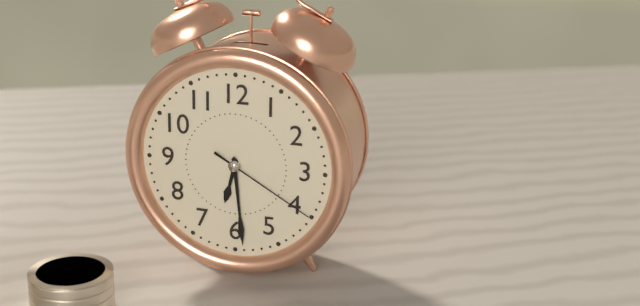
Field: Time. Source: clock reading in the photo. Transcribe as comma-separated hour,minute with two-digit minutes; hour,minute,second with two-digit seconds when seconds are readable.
6,29,20
